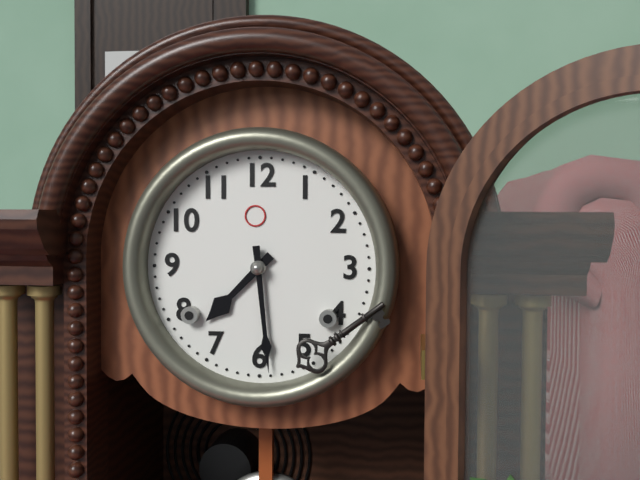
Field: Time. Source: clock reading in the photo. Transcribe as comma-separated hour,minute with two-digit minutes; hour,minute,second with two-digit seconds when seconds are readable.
7,29
